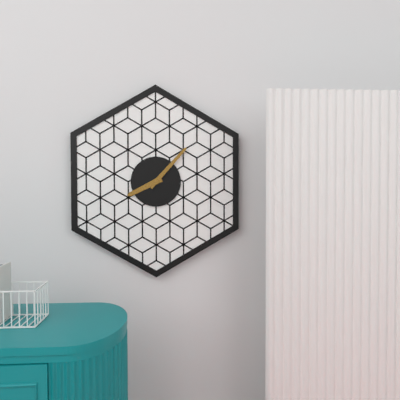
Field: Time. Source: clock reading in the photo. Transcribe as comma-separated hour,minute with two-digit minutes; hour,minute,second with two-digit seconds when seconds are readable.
8,07
